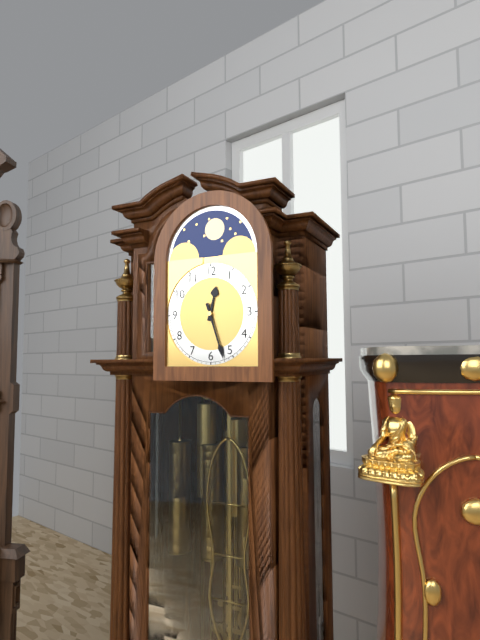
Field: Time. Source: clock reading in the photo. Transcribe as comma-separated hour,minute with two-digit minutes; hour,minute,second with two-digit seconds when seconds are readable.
12,27
